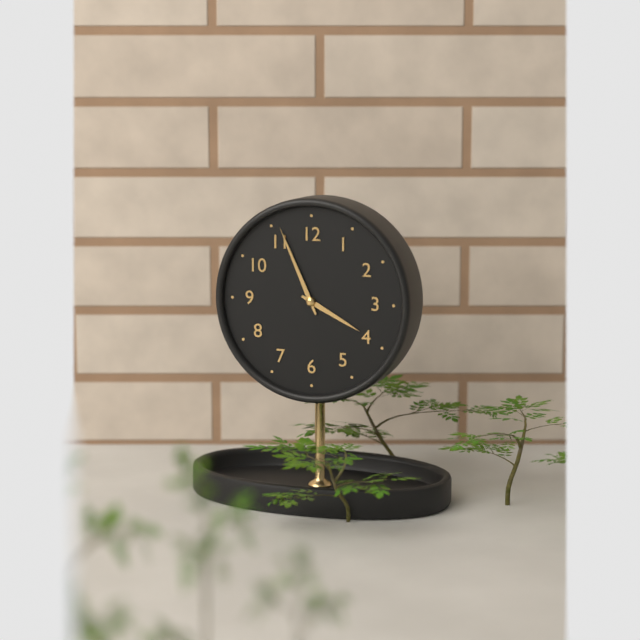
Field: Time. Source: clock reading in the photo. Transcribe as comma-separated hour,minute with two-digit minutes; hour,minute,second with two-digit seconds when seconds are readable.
3,56
